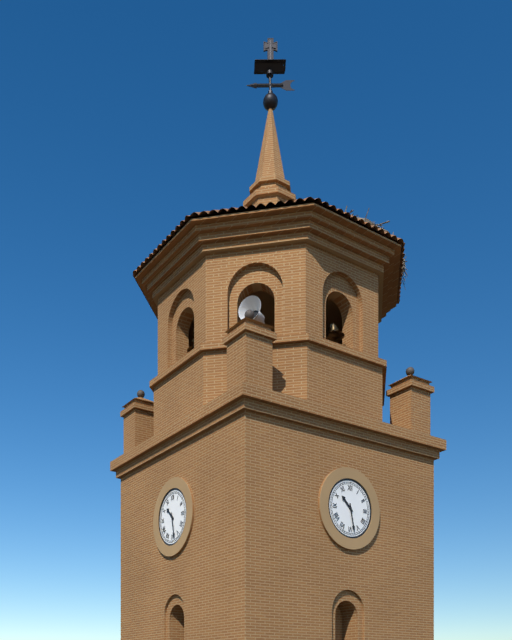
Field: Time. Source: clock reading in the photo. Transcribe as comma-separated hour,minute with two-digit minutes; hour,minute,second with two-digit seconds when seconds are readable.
10,28
